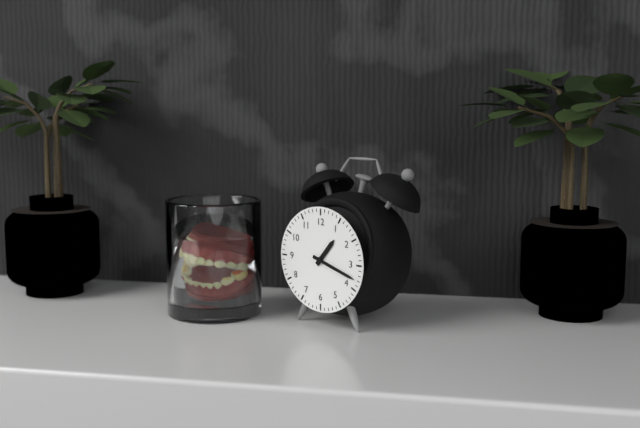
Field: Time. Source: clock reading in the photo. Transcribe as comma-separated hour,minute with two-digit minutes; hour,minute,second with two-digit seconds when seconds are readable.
1,18
